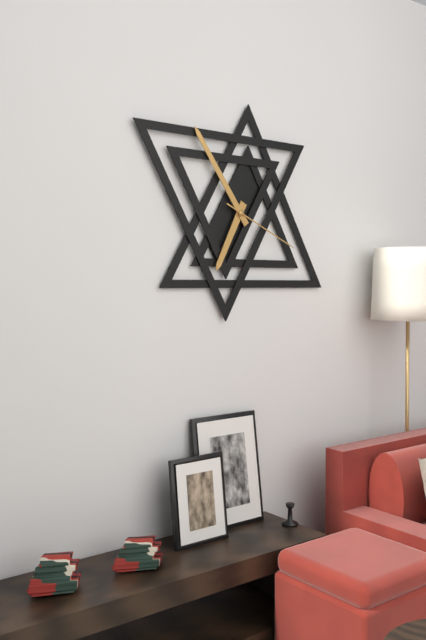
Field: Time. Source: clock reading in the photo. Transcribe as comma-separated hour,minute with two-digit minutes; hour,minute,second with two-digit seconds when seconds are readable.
6,54,19
